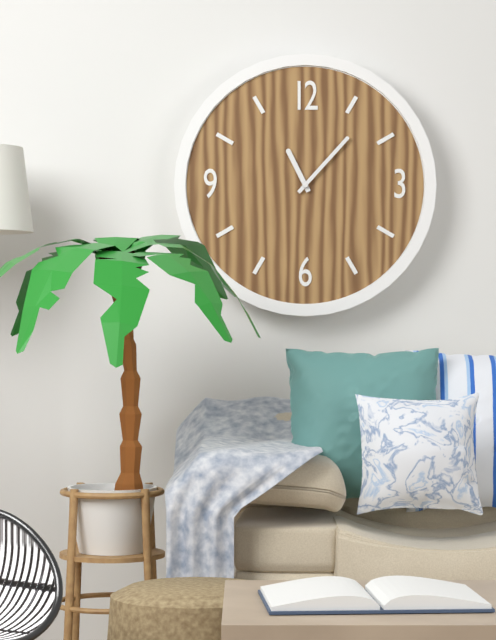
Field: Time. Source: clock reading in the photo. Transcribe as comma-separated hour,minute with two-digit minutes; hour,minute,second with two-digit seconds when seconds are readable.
11,07
